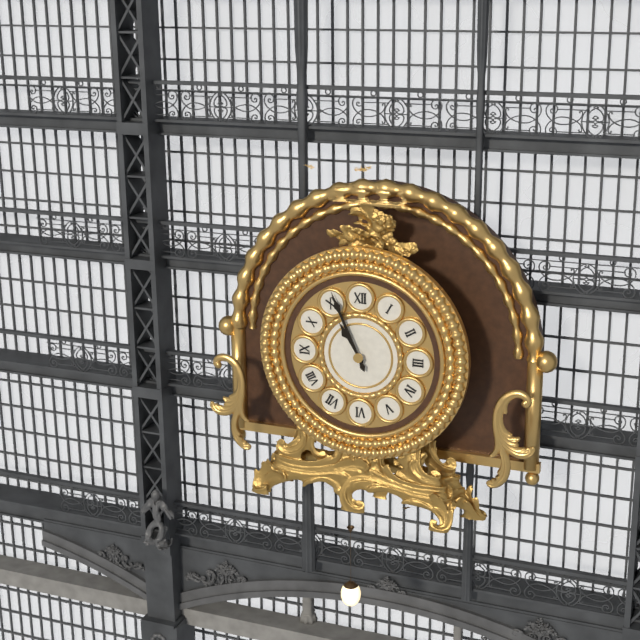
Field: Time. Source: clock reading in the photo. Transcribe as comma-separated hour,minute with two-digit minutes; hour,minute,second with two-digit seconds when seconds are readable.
10,56
